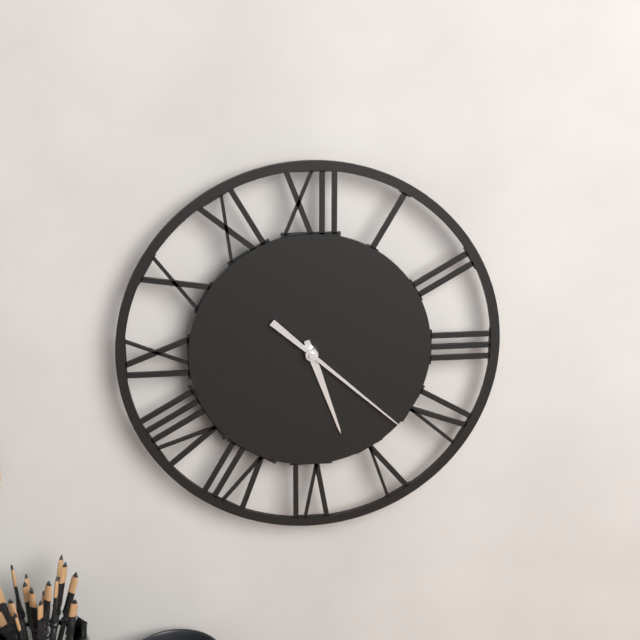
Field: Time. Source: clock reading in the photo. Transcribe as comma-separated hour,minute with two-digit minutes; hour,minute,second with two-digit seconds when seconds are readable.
5,22
